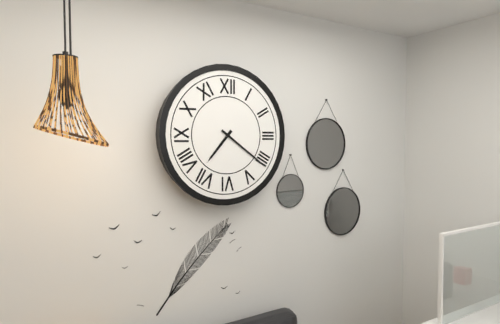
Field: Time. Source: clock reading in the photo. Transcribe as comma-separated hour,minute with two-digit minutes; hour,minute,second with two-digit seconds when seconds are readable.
7,21
